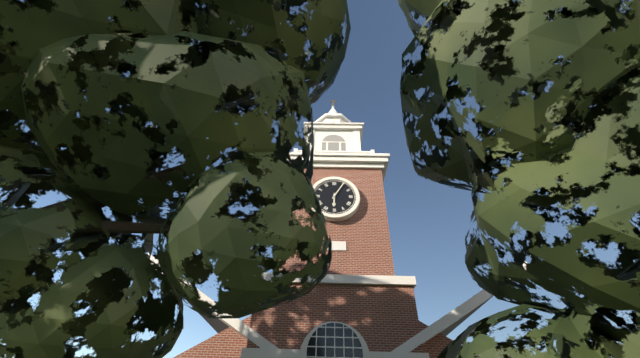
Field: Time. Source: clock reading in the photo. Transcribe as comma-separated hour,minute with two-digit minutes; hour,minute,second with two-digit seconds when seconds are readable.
6,05
